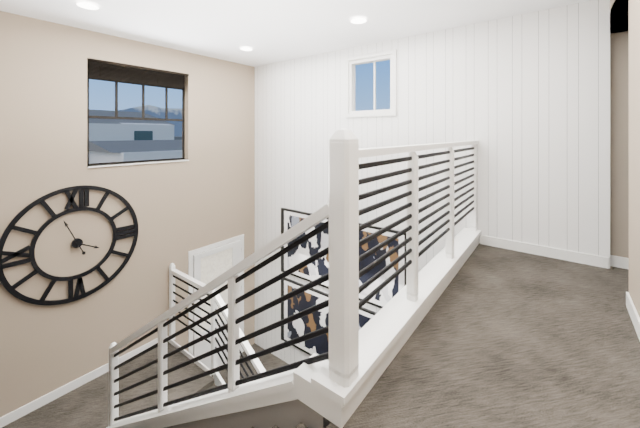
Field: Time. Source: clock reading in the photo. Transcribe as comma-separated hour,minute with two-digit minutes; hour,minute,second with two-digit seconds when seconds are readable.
3,56
